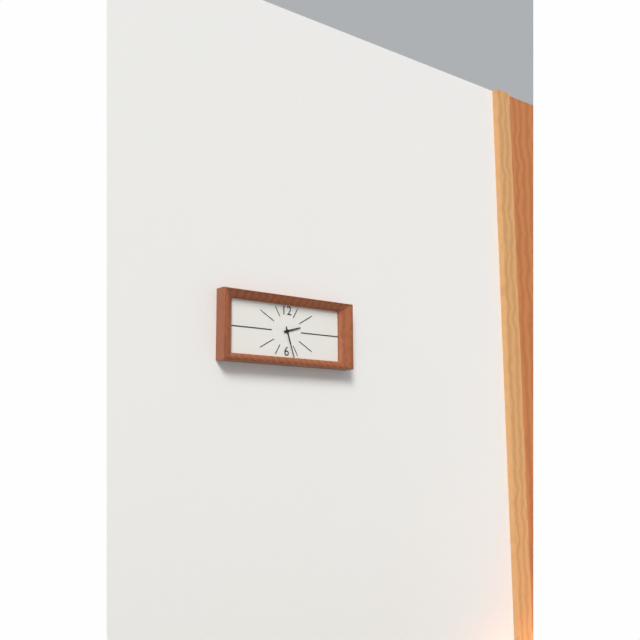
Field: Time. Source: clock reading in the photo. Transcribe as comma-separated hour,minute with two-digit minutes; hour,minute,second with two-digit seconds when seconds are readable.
2,27
